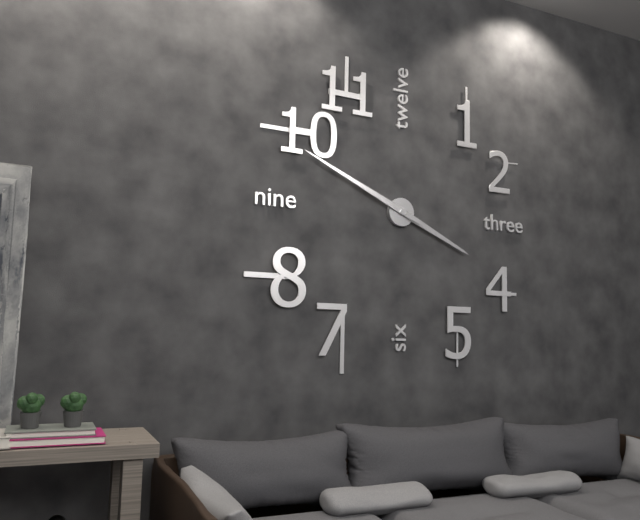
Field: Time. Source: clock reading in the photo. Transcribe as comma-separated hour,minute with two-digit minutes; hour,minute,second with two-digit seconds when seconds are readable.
3,49
